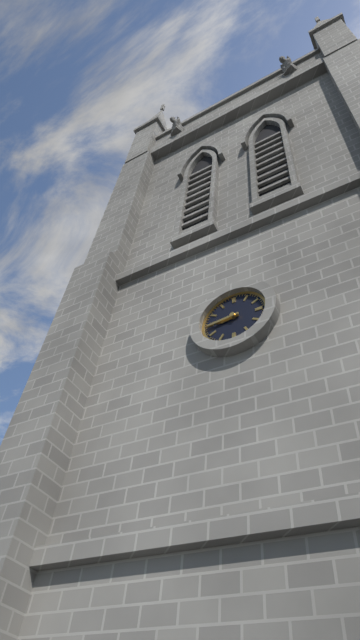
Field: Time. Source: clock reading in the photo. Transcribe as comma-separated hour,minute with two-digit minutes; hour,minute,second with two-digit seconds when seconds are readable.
8,44
